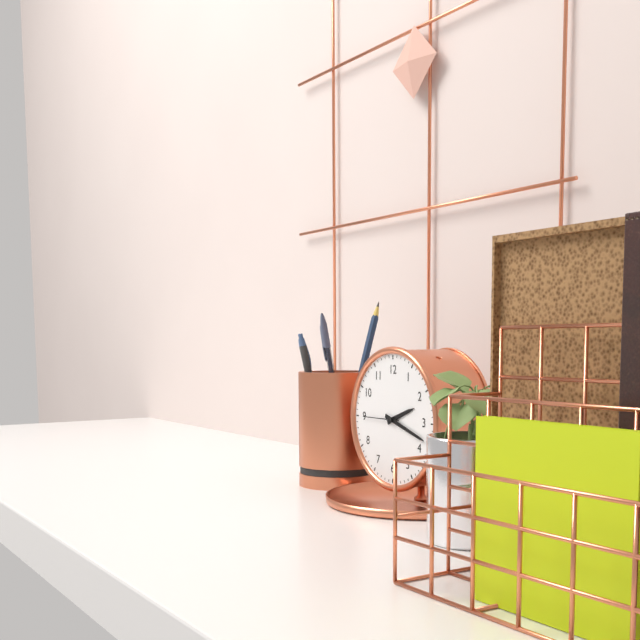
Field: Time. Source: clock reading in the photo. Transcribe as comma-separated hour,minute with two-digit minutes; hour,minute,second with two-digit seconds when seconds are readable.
2,18
